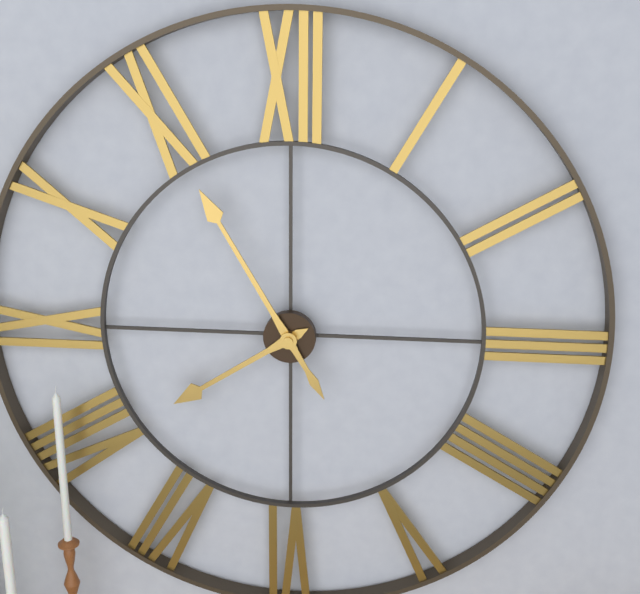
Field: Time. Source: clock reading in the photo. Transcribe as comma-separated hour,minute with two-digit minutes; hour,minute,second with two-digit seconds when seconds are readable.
7,55
